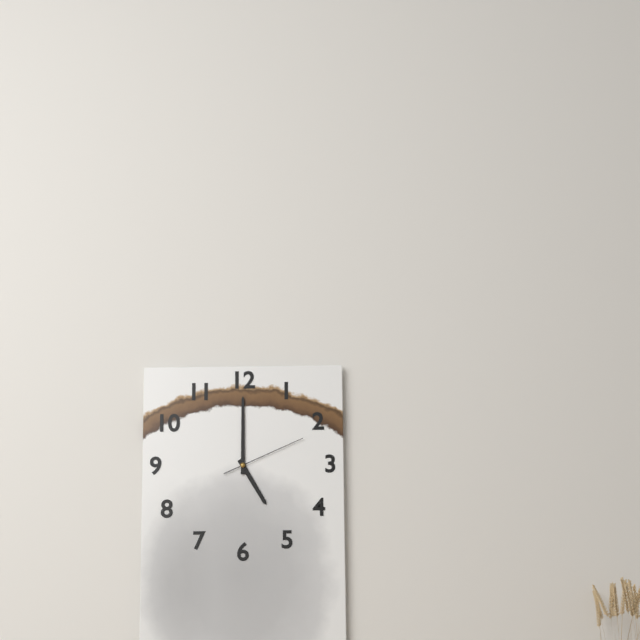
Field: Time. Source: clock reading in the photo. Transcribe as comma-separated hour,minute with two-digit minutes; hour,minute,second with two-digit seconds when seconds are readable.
5,00,11
